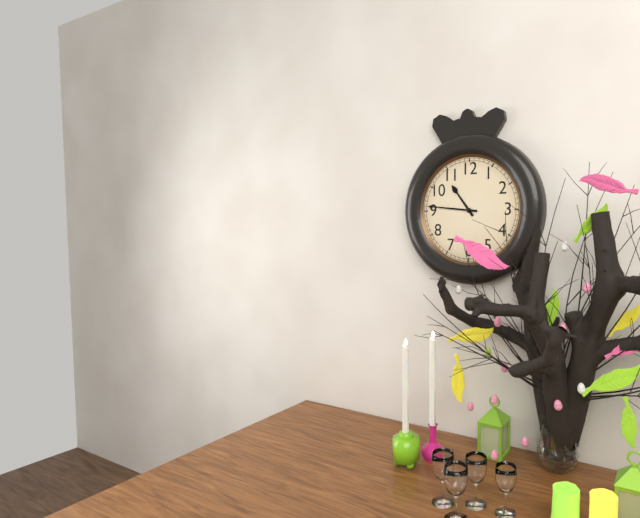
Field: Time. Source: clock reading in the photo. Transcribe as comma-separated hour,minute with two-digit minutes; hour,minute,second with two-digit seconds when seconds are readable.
10,46
